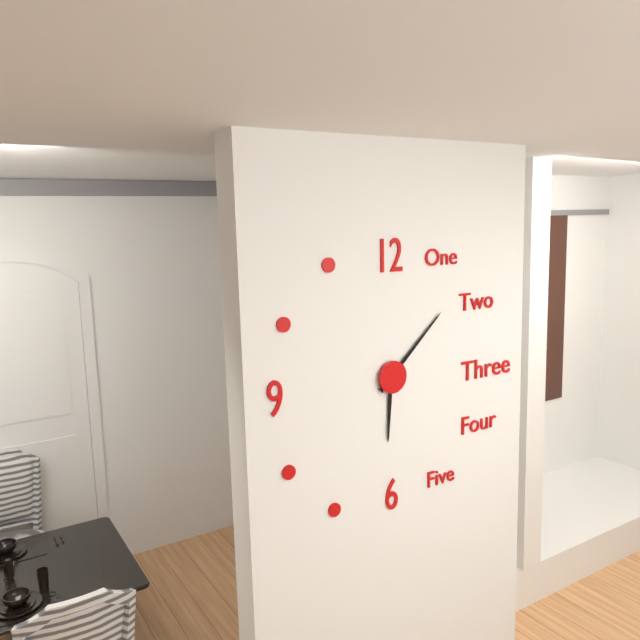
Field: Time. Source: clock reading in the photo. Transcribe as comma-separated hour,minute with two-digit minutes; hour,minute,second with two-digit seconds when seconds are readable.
6,08
